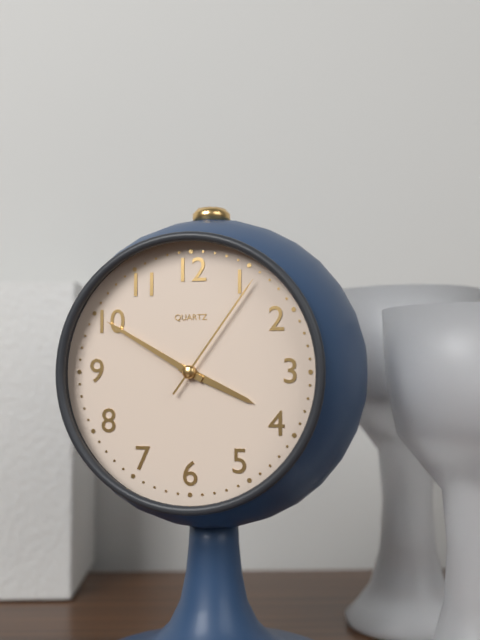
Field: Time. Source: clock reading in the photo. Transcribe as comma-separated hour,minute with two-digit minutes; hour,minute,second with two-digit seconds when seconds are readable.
3,50,06
